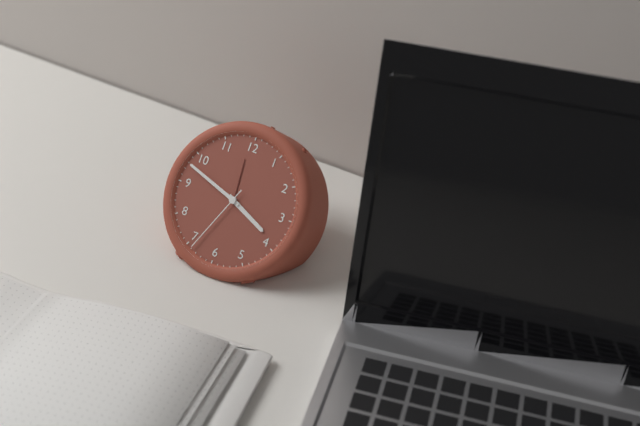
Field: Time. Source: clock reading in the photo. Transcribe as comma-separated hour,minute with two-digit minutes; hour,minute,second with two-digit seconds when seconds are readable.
3,48,34
